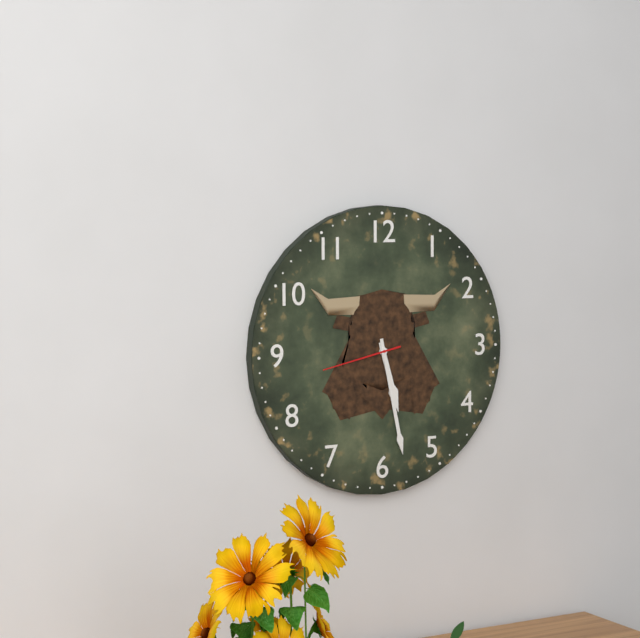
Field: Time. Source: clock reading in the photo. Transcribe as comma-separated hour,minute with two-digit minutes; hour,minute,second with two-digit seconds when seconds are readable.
5,28,43
